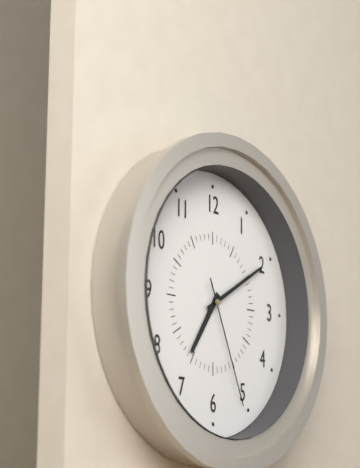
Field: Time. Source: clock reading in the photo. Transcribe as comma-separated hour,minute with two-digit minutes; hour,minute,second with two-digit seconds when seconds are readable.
7,10,26
